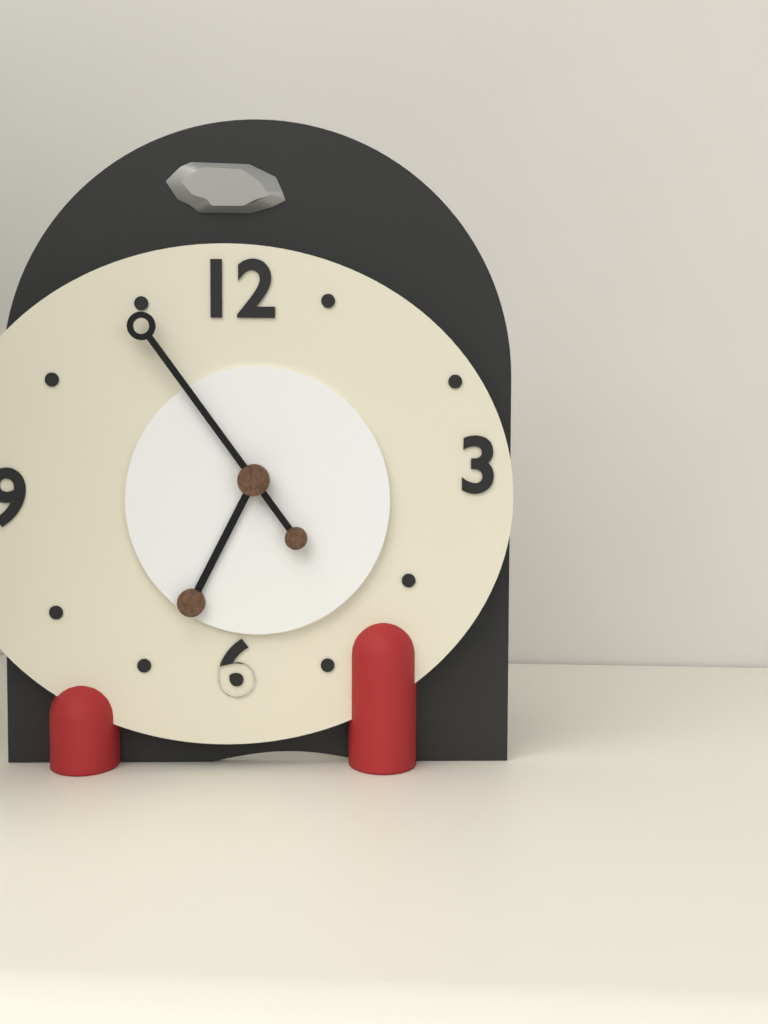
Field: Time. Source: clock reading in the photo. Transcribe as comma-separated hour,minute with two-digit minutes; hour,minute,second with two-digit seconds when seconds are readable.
6,54
